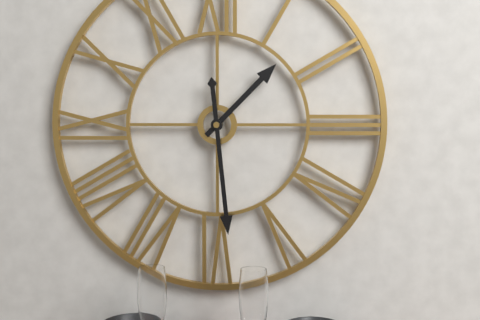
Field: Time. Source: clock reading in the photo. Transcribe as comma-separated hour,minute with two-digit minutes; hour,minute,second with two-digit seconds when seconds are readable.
1,29
